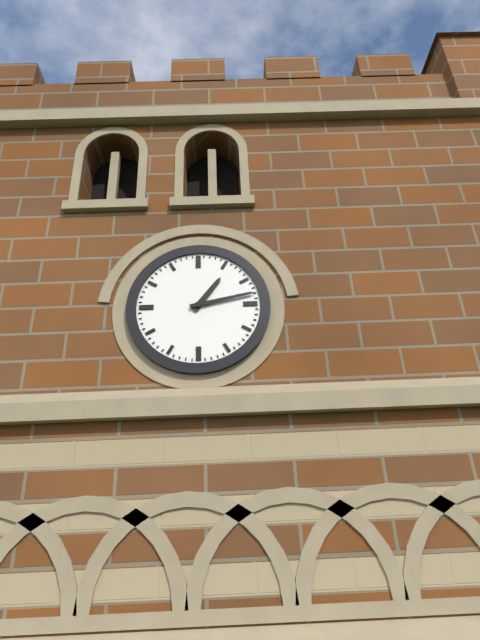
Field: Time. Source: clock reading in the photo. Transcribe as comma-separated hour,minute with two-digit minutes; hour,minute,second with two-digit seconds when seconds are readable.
1,13
